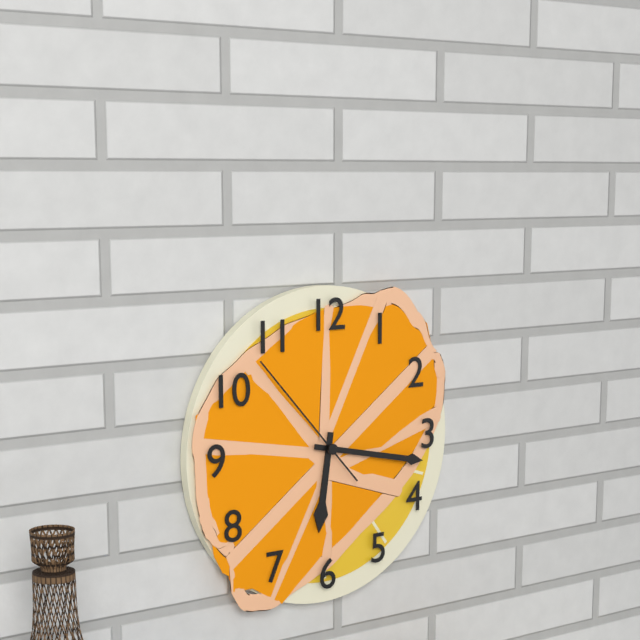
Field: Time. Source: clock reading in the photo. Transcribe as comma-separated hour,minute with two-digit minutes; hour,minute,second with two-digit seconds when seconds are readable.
6,17,53
